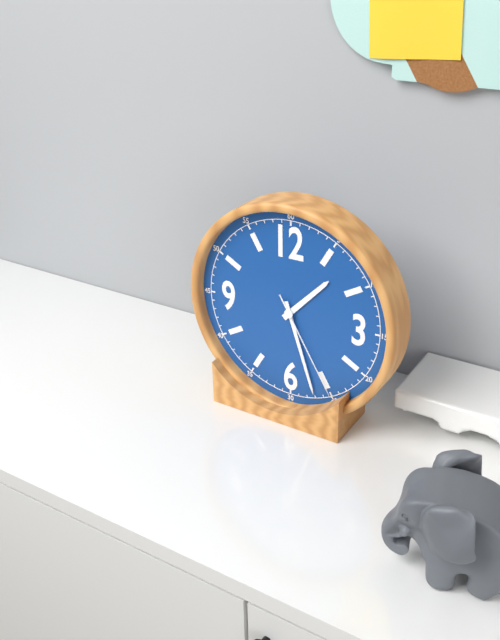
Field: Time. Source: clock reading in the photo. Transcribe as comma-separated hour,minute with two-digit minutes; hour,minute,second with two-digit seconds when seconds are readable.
1,27,25
